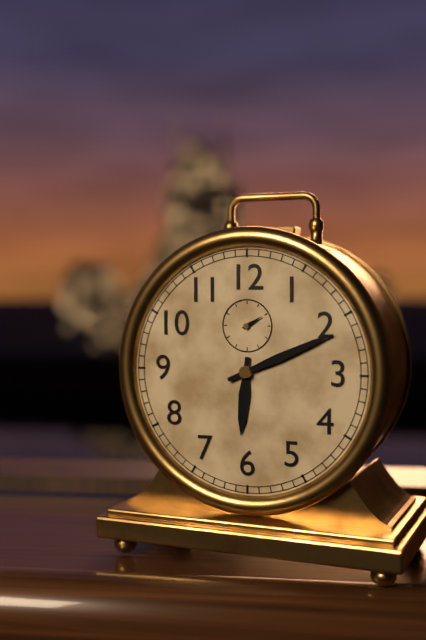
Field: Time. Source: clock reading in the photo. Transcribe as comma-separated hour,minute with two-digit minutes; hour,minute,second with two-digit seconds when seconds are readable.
6,11
